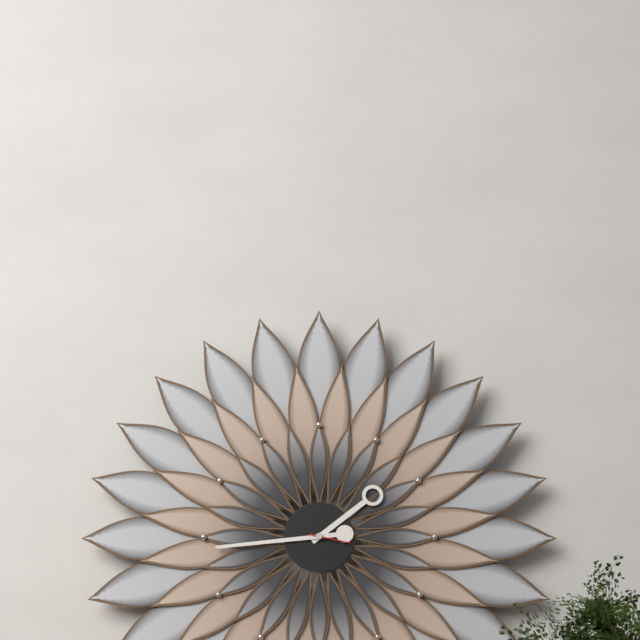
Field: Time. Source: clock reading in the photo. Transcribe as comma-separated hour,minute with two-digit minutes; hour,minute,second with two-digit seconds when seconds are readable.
1,44
